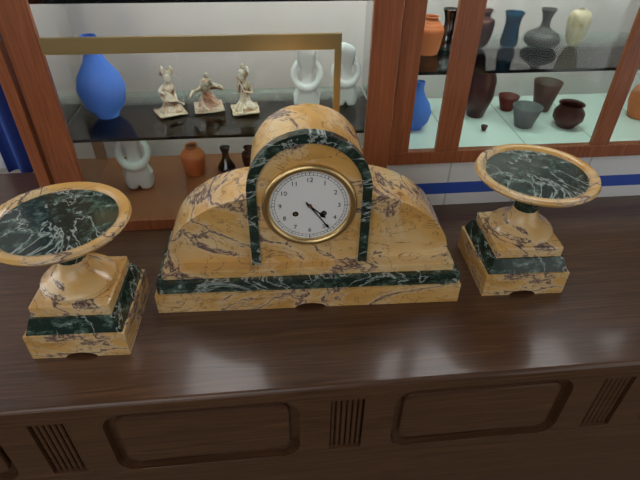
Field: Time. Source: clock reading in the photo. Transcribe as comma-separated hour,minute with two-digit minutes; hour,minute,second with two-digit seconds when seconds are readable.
4,24
